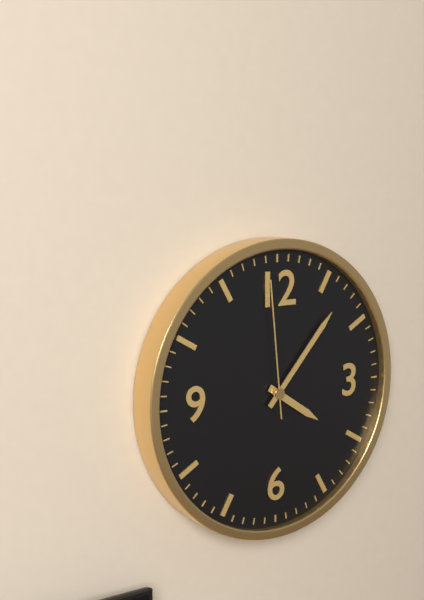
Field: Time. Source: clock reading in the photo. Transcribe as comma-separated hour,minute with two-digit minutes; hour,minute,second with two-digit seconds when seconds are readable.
4,07,59
